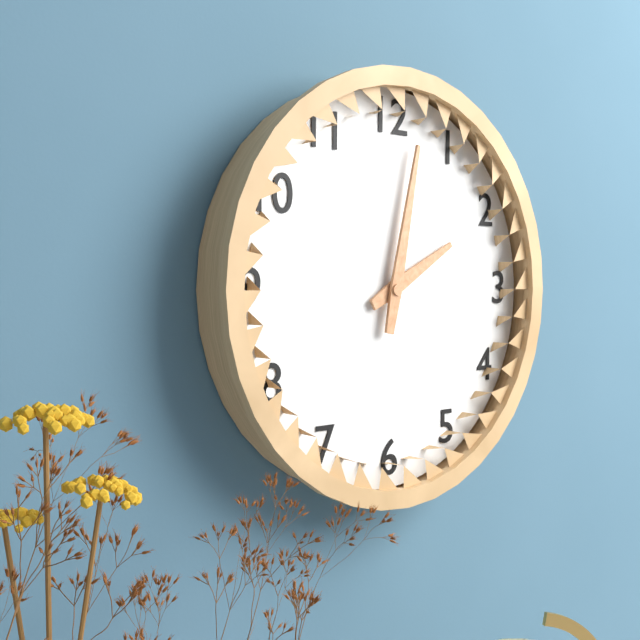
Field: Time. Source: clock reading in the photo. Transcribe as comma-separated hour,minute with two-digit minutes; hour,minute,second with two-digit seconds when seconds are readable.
2,02
